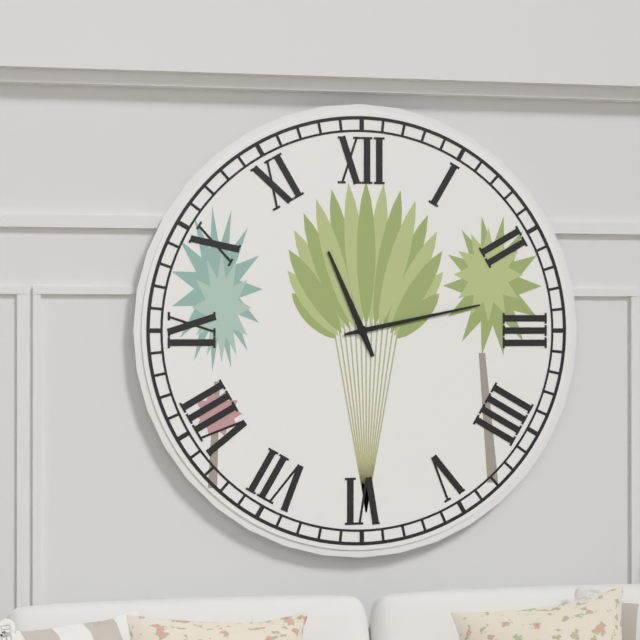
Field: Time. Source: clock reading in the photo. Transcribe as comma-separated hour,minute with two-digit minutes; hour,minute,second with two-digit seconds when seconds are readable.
11,13
